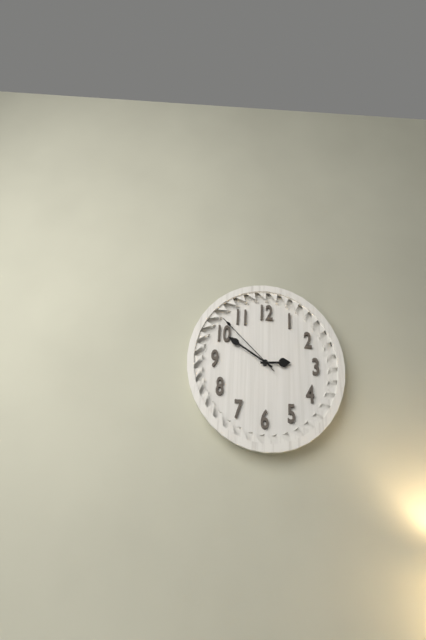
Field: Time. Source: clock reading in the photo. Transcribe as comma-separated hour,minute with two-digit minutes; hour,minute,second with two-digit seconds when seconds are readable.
2,50,52
